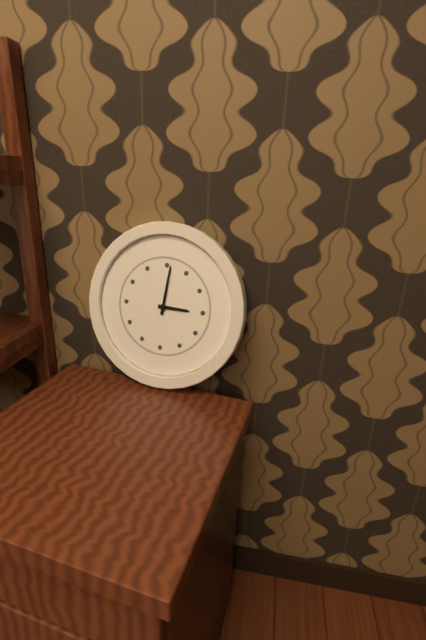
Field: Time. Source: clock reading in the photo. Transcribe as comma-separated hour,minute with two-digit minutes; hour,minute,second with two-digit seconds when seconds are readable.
3,01
